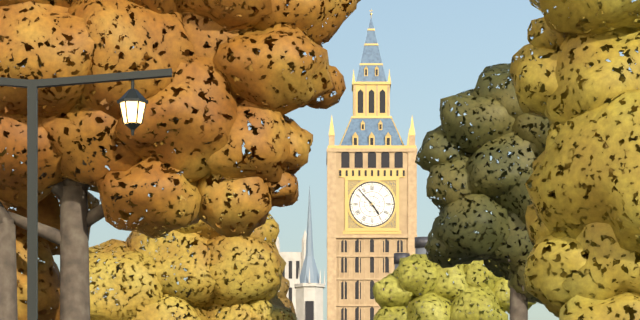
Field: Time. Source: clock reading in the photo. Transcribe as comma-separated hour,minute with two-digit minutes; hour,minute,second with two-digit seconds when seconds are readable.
4,53
